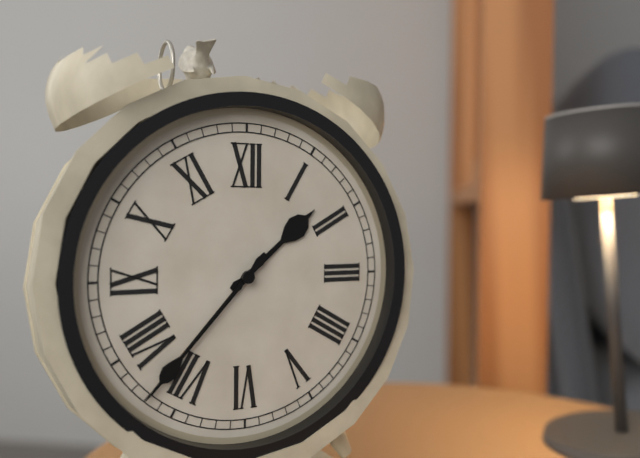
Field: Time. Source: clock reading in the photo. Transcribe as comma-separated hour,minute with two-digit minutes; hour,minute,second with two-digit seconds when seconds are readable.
1,37
